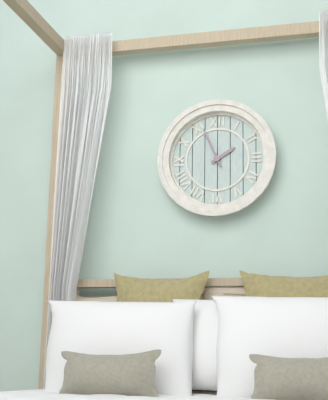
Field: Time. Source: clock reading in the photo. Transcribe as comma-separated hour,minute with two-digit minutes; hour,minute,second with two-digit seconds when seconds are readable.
1,56
